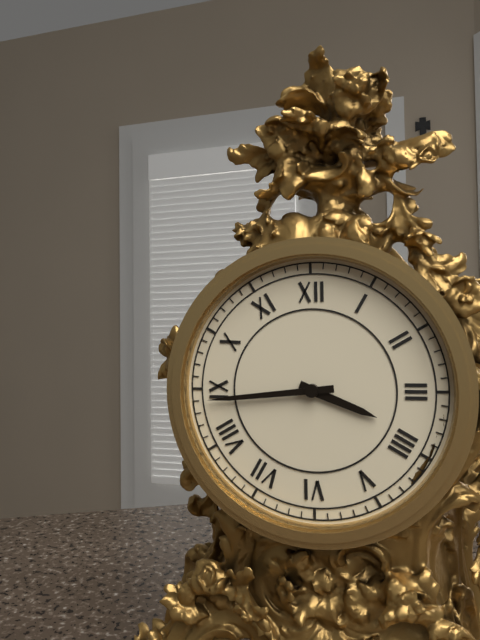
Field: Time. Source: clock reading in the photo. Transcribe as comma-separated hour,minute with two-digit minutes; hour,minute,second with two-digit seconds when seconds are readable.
3,44
